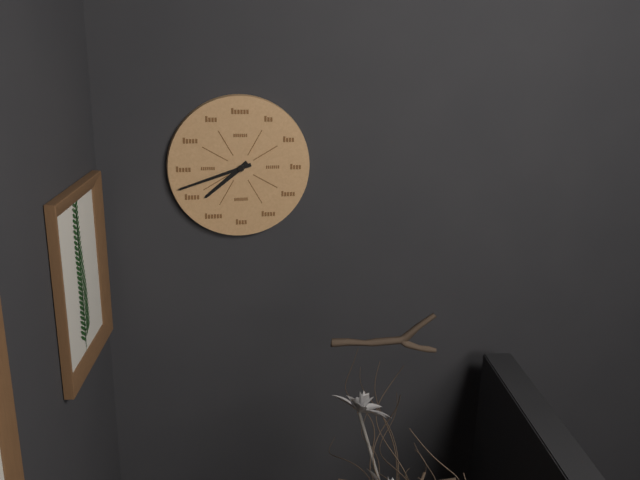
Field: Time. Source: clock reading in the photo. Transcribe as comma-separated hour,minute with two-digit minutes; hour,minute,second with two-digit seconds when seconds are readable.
7,42
